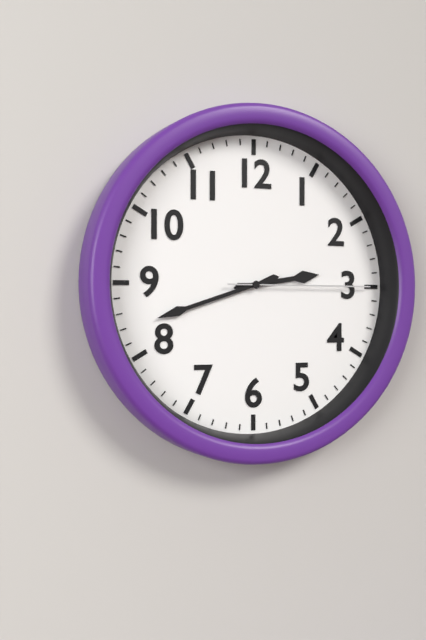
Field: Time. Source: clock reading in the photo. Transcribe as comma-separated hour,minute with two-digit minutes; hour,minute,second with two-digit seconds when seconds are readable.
2,42,15
